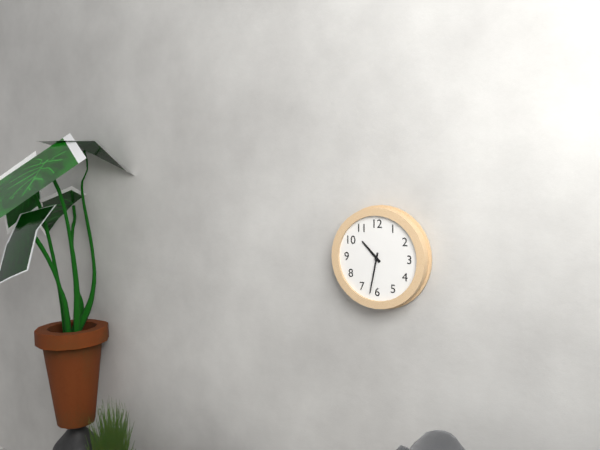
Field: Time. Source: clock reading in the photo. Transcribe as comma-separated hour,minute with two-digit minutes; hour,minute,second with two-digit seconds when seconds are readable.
10,32
